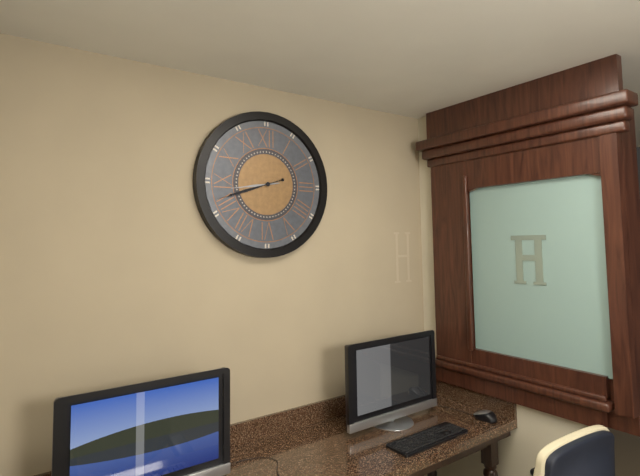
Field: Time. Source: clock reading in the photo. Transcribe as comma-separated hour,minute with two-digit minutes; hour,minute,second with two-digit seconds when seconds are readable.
8,42
